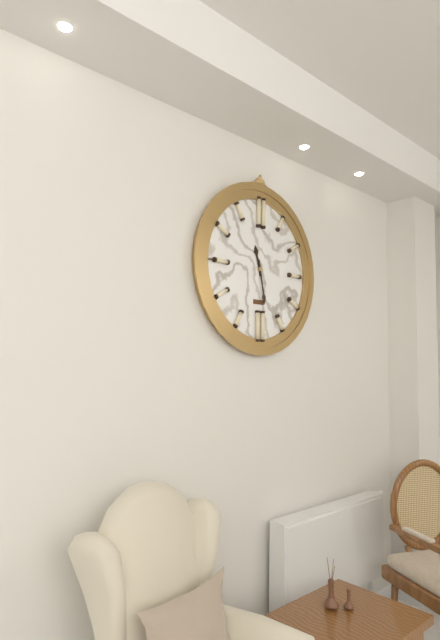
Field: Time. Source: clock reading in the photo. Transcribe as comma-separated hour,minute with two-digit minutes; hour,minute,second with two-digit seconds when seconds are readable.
11,28
